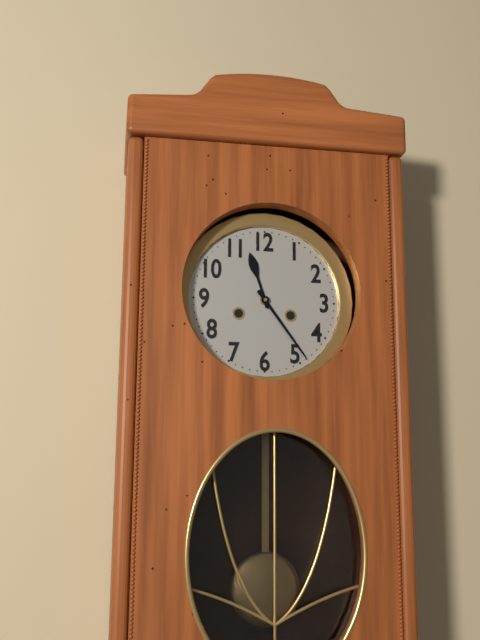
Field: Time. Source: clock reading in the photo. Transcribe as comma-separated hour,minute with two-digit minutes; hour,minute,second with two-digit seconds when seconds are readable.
11,24
